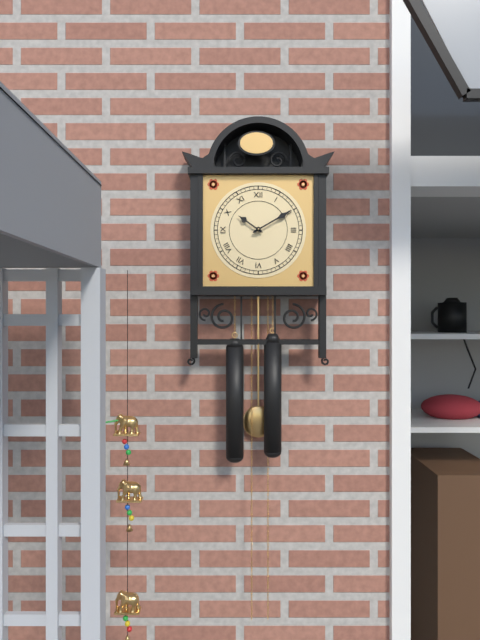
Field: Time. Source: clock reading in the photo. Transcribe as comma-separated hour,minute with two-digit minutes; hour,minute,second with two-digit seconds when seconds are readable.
10,10
